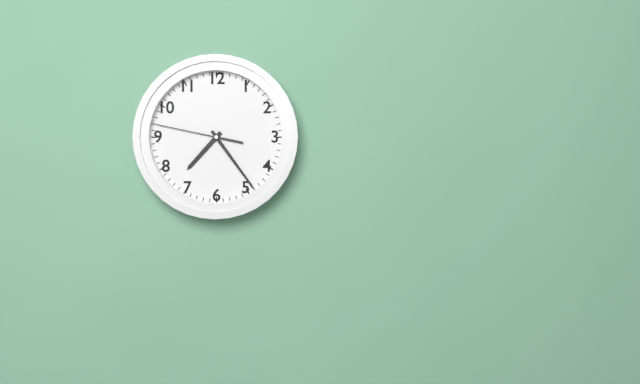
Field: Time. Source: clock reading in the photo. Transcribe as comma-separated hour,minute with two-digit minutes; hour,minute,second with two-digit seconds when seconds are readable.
7,24,47
